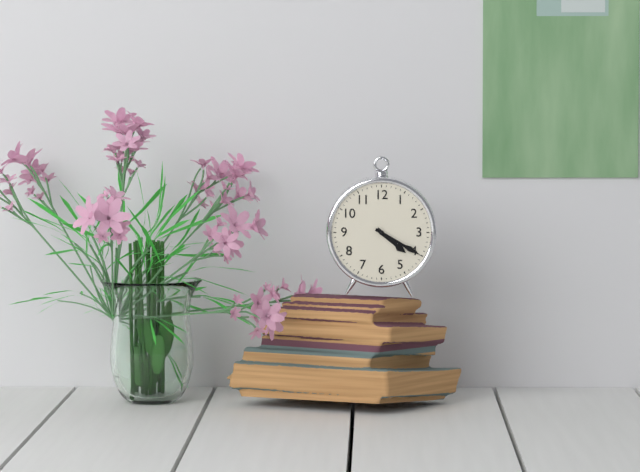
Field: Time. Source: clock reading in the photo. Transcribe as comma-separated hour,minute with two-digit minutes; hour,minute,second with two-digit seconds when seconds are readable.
4,20
